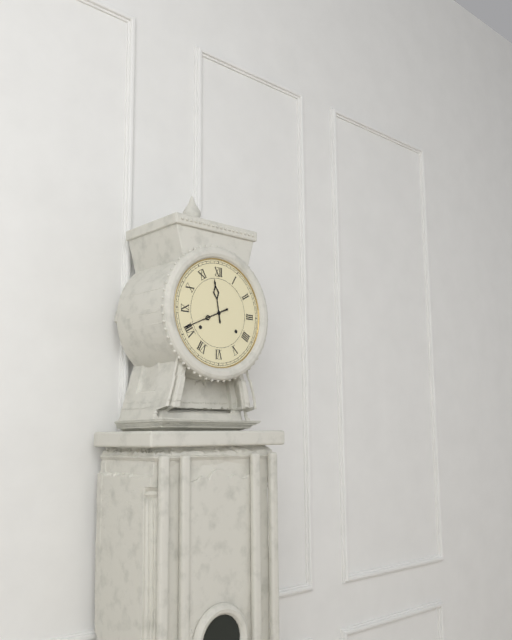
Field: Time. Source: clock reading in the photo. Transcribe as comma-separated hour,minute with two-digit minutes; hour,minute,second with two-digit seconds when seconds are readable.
11,41
